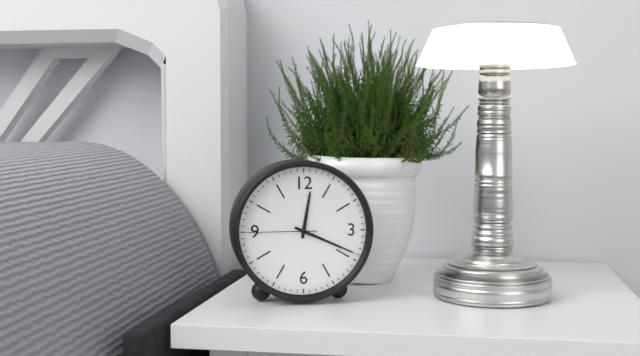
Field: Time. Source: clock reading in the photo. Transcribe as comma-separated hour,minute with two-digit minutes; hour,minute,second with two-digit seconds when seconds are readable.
12,19,45
